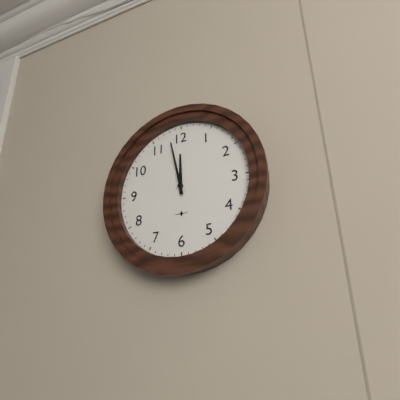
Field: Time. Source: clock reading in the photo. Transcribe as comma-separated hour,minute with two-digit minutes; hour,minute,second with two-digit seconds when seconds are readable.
11,58
